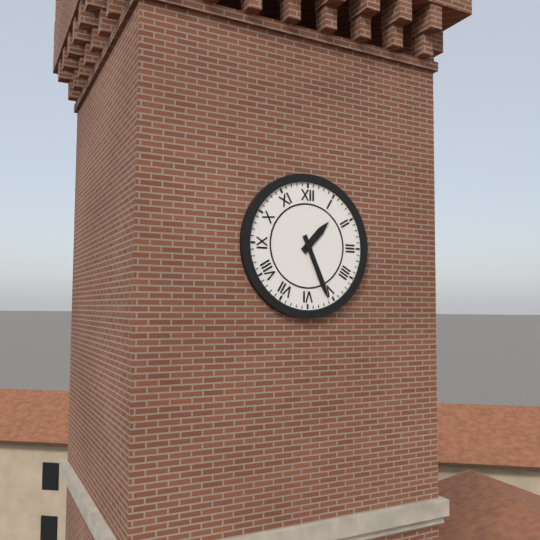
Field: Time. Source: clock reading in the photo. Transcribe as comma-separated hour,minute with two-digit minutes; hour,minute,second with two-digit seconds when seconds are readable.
1,26
